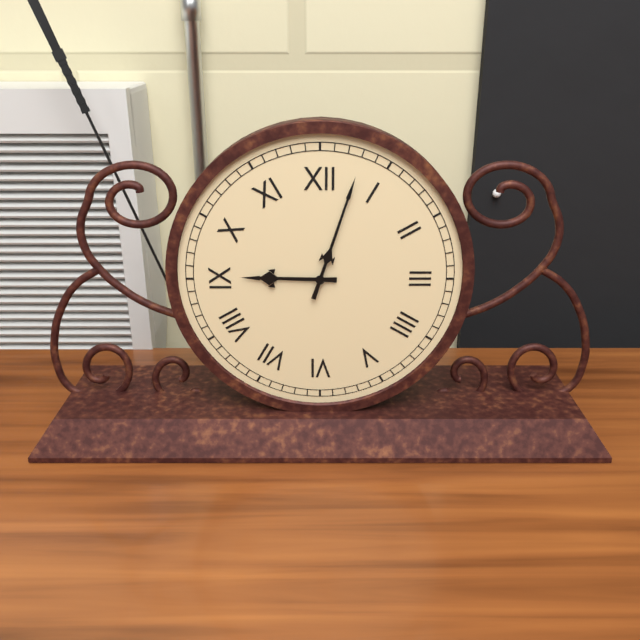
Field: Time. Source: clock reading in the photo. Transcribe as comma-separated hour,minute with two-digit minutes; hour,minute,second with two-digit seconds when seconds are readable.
9,03
